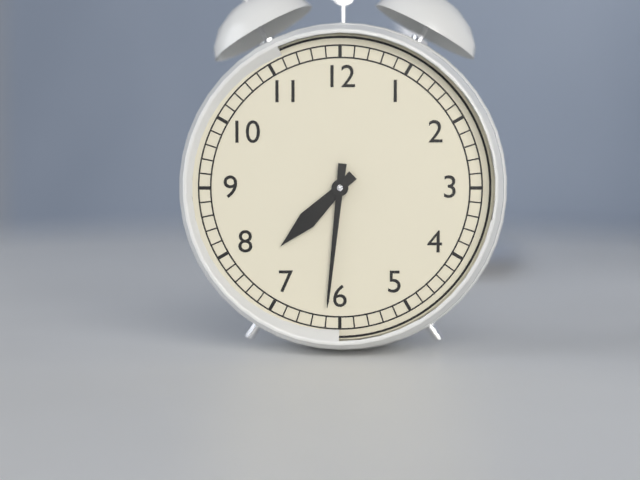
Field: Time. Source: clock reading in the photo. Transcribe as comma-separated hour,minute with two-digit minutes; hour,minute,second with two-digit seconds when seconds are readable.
7,31
